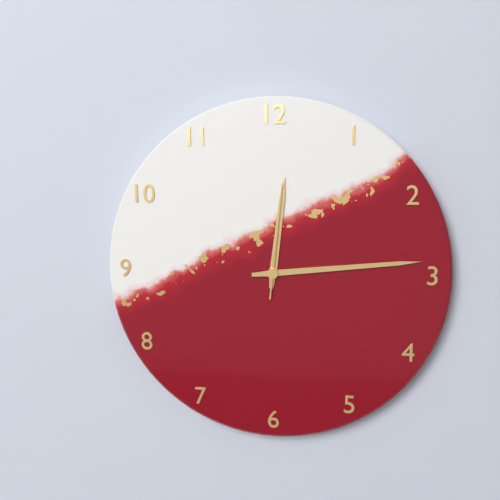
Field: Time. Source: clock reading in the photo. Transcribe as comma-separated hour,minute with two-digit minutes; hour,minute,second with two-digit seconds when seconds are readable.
12,14,01
